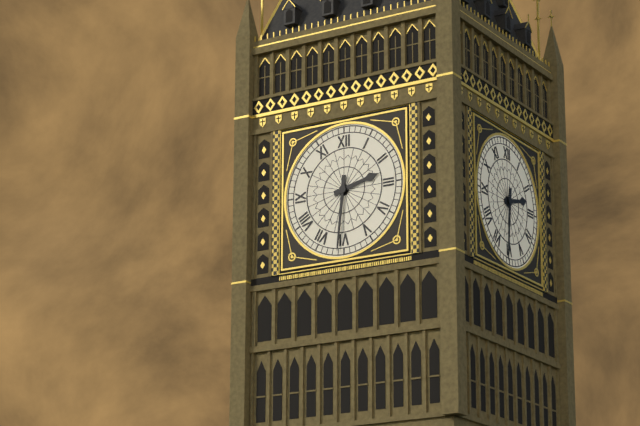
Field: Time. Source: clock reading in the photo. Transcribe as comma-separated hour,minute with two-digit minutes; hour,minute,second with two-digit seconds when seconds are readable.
2,31
